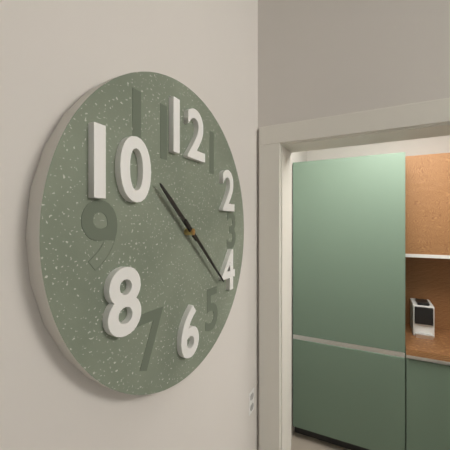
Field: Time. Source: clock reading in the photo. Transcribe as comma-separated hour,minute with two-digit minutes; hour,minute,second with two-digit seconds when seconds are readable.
10,22
